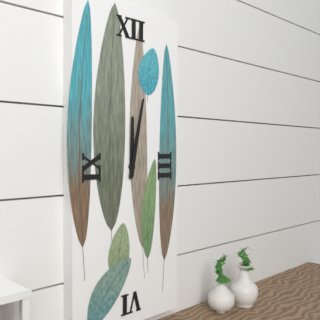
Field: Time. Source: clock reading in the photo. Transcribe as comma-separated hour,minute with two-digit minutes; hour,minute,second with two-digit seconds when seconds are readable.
12,02
